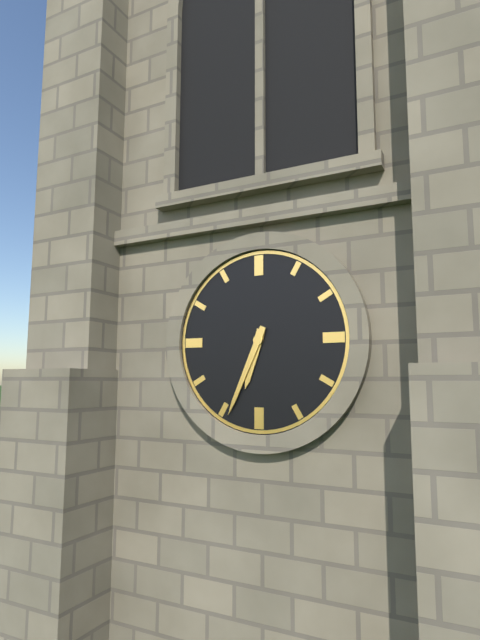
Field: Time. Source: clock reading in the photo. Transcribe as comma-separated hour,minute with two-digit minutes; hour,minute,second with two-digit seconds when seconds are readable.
6,34
